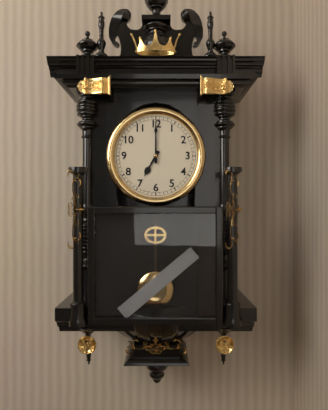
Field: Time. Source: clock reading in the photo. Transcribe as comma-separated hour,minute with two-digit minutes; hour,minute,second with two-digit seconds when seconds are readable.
7,00
